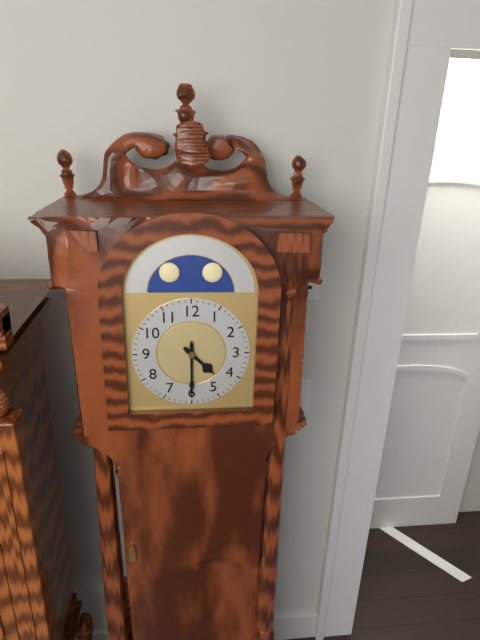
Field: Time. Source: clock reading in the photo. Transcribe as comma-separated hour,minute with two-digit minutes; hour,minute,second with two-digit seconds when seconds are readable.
4,30
